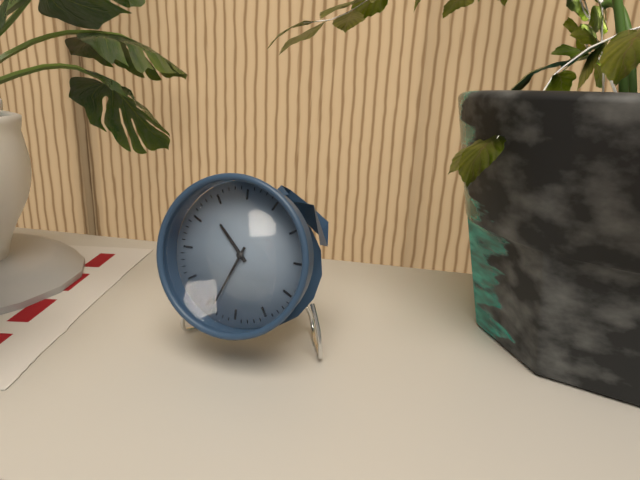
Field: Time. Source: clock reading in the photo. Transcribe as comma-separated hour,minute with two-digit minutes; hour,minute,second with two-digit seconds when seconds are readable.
10,34
